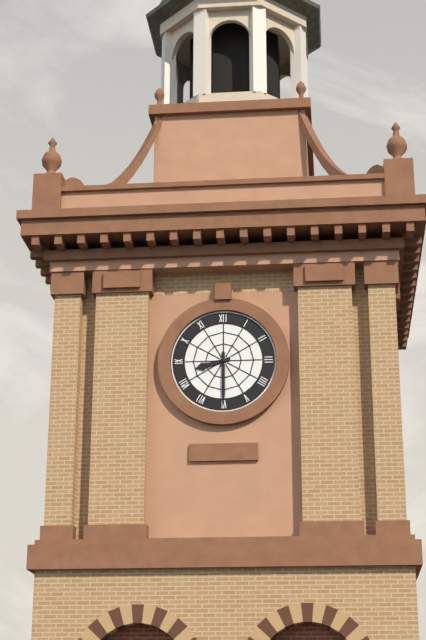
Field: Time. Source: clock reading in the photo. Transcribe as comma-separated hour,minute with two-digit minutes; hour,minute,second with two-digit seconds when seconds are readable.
8,30
